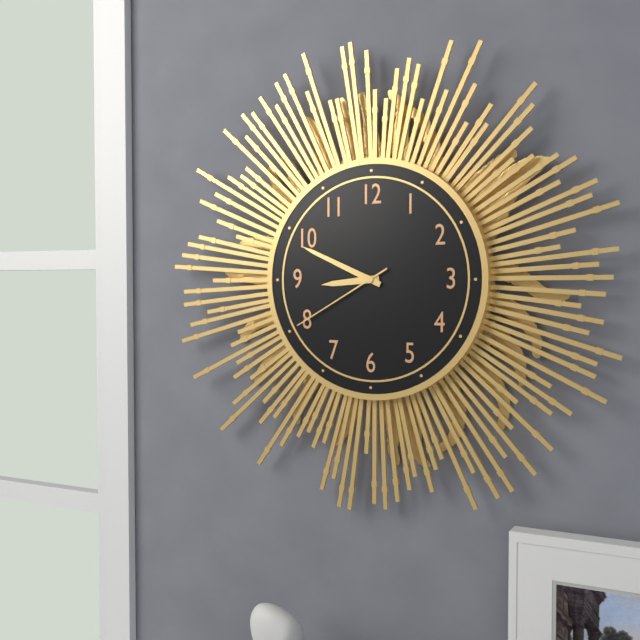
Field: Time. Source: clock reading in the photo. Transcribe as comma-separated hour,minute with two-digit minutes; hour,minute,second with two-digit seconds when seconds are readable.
8,49,40
